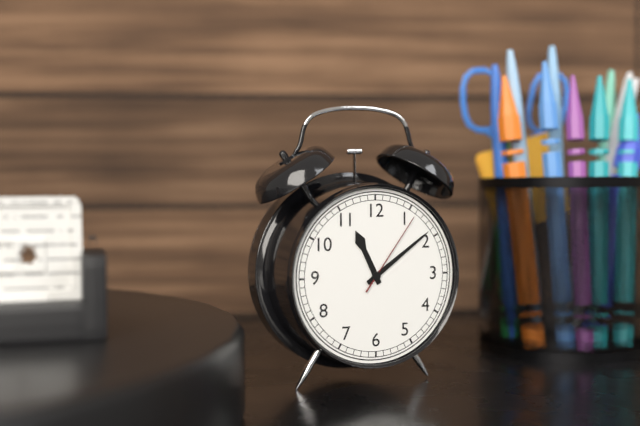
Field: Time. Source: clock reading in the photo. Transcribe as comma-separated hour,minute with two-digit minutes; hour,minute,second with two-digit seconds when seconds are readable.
11,09,06
